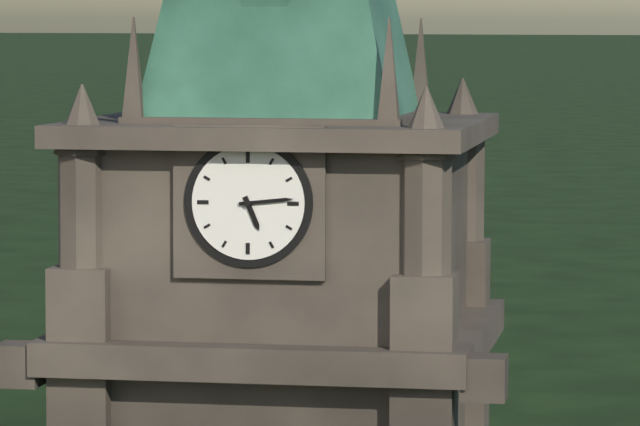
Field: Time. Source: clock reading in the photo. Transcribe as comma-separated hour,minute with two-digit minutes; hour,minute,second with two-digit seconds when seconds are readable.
5,14
